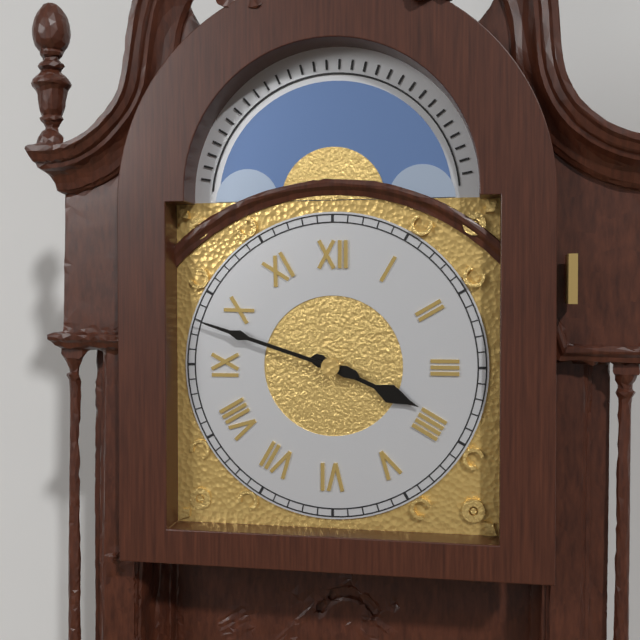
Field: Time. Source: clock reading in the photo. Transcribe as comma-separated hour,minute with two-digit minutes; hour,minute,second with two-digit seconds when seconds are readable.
3,48
